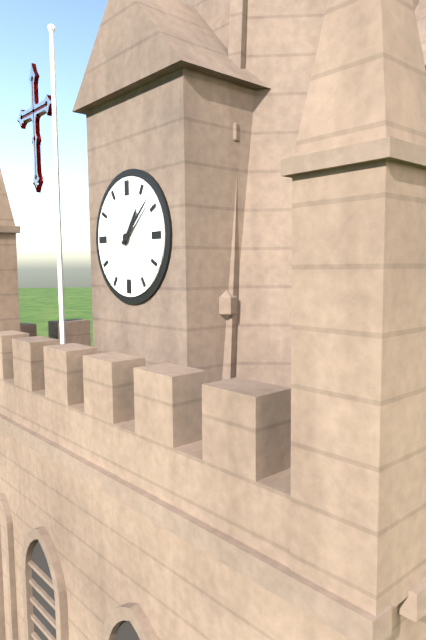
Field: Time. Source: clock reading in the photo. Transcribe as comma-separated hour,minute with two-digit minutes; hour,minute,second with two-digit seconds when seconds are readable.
1,08
